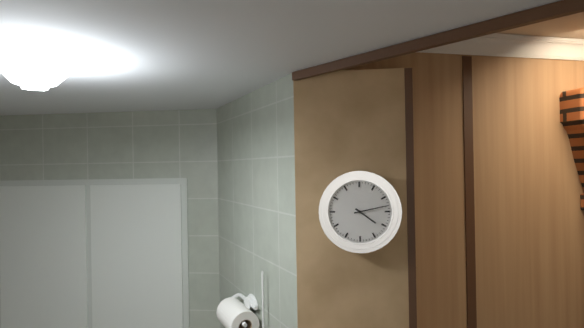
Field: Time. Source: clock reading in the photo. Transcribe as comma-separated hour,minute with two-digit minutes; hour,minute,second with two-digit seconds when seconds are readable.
4,13
